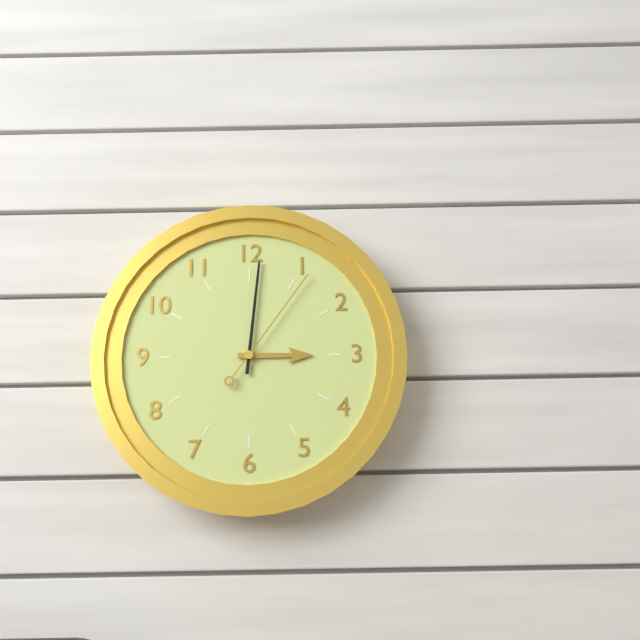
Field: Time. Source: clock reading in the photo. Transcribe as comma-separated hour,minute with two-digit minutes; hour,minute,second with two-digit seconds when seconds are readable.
3,01,06
